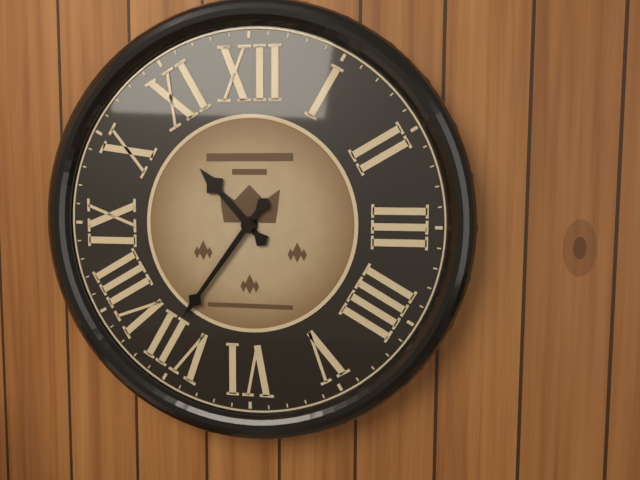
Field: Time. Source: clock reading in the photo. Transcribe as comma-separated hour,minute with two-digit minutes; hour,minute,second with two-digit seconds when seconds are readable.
10,36
